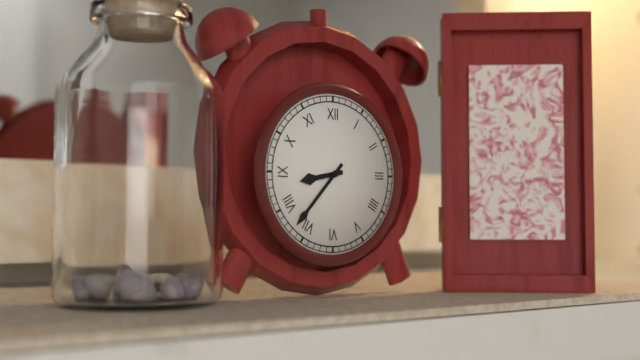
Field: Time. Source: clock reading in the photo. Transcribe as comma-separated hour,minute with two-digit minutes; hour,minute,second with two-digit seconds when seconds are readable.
8,37
